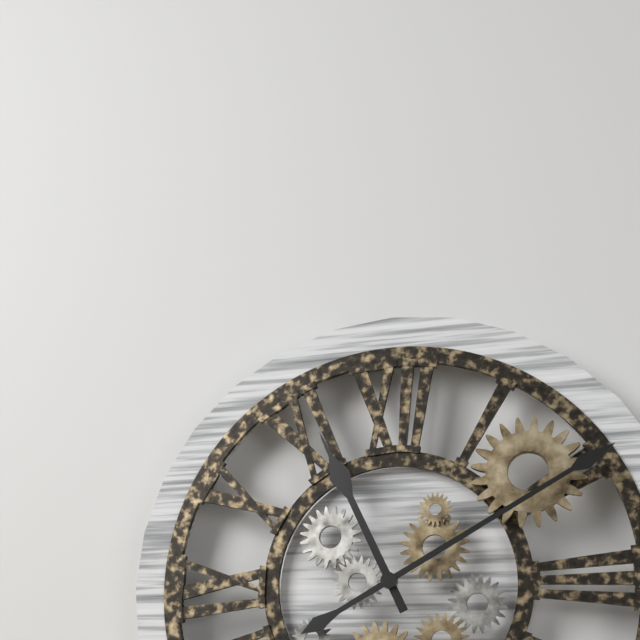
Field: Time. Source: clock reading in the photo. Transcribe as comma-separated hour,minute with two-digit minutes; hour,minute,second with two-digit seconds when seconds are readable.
11,10
